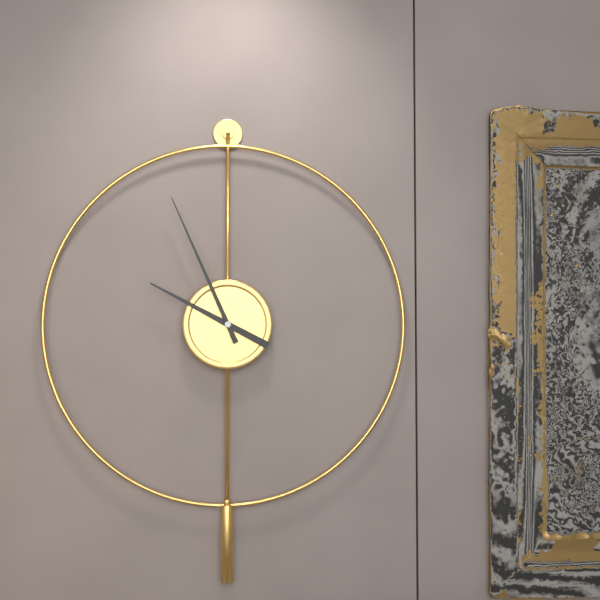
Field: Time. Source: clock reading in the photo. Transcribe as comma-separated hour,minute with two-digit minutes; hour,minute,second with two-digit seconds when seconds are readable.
9,56
